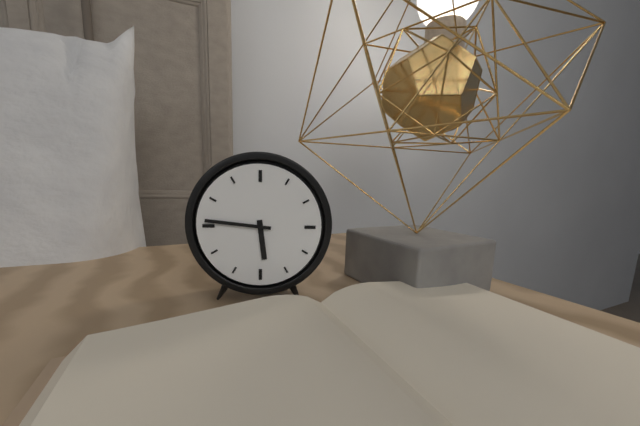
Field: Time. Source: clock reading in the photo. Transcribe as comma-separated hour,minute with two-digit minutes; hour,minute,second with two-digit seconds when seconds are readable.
5,46
